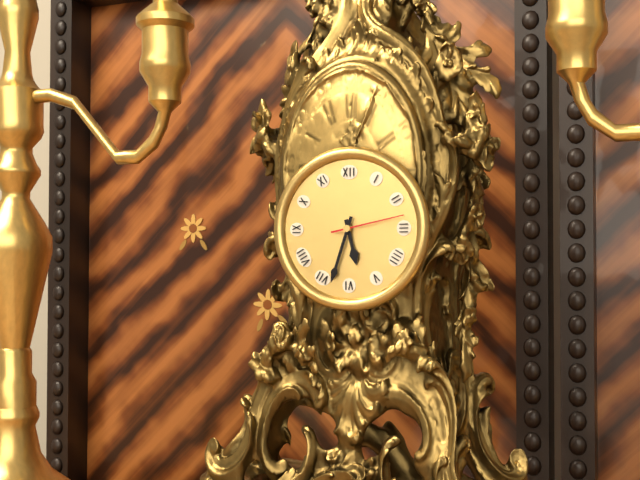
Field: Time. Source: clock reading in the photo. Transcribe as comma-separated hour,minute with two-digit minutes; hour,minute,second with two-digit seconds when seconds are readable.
5,33,13
